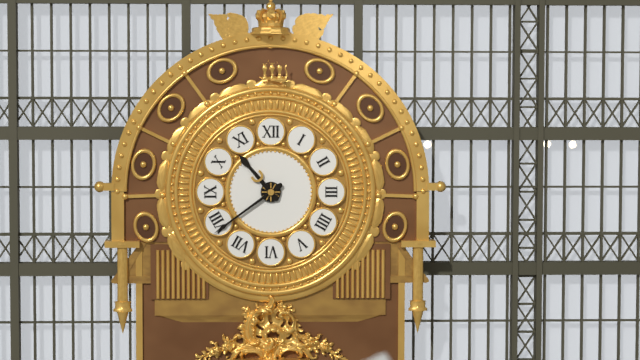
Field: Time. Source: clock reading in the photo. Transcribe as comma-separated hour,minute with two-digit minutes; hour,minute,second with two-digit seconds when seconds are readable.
10,39
